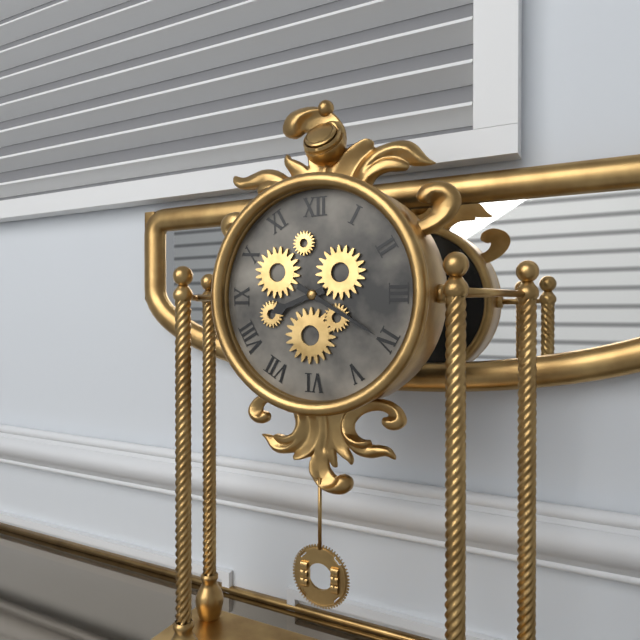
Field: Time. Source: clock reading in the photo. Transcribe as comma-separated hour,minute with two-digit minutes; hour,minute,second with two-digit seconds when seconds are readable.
8,20
